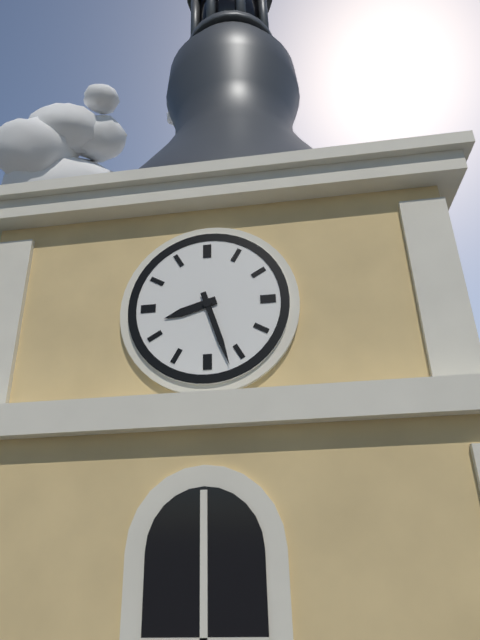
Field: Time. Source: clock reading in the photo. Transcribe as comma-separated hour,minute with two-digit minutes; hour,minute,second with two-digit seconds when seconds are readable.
8,27
